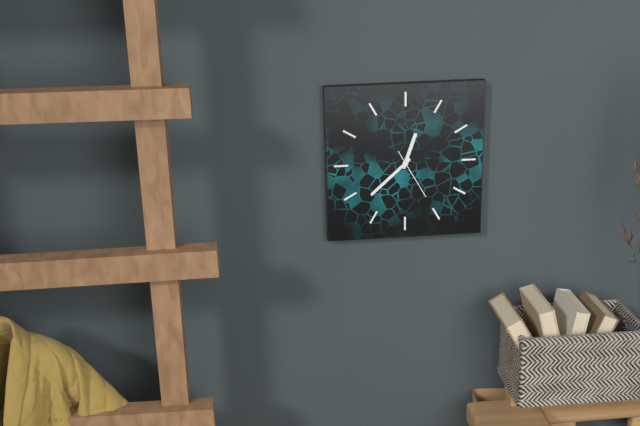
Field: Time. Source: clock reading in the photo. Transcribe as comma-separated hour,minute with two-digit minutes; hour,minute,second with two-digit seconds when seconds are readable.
12,38,25
